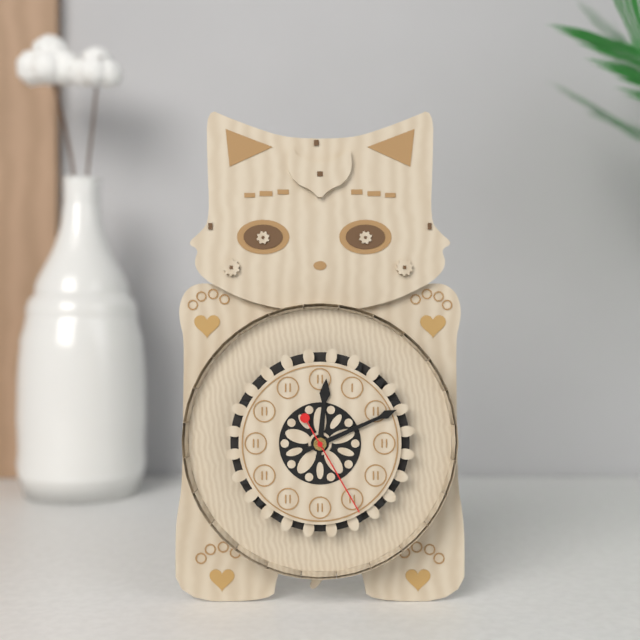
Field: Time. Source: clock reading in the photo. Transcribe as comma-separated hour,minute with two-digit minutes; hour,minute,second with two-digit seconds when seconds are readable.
12,11,25
